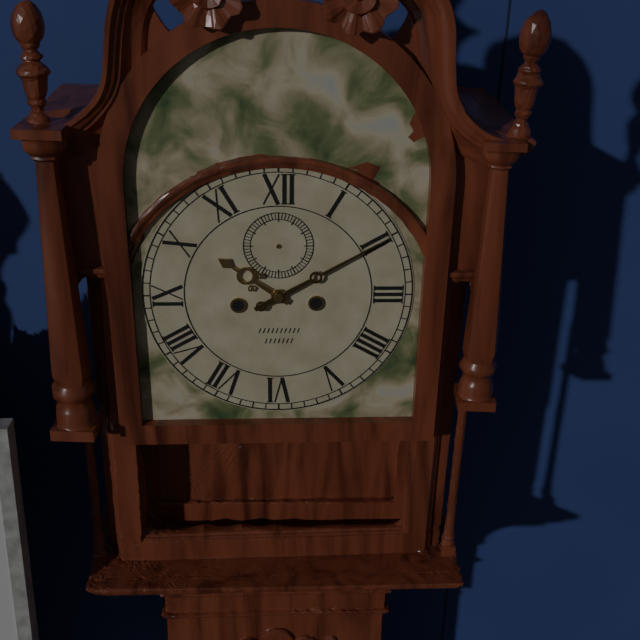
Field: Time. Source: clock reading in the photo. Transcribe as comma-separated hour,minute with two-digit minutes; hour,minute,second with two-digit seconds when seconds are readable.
10,10
